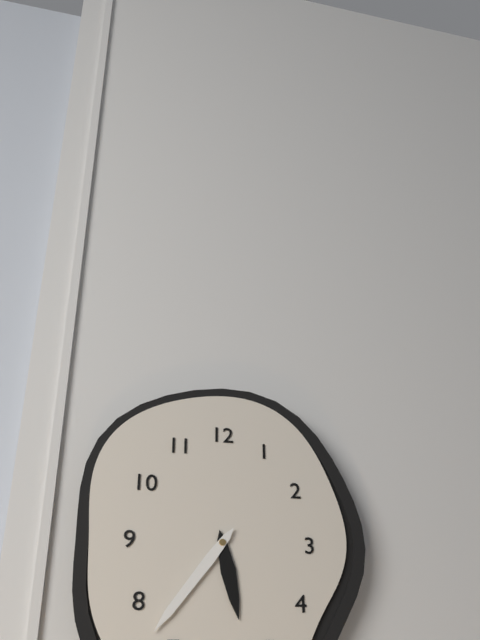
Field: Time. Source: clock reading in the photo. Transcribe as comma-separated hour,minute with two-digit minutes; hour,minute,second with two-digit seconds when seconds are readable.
5,36
